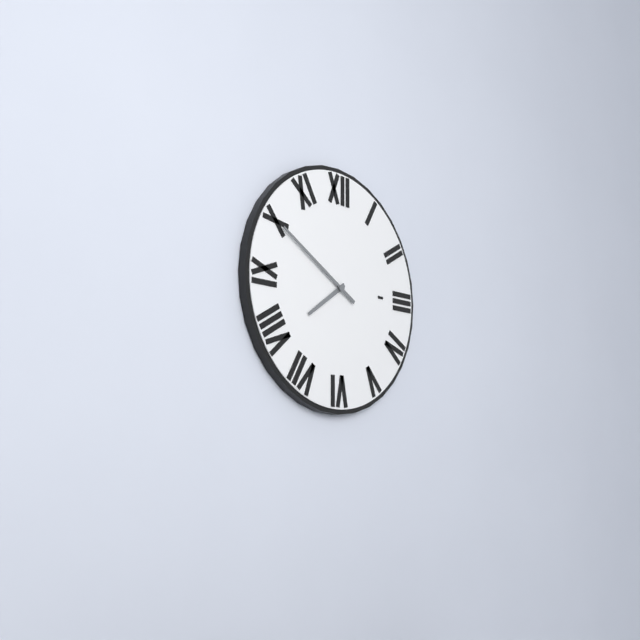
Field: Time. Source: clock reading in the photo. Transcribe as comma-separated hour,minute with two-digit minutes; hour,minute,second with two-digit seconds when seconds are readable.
7,50
